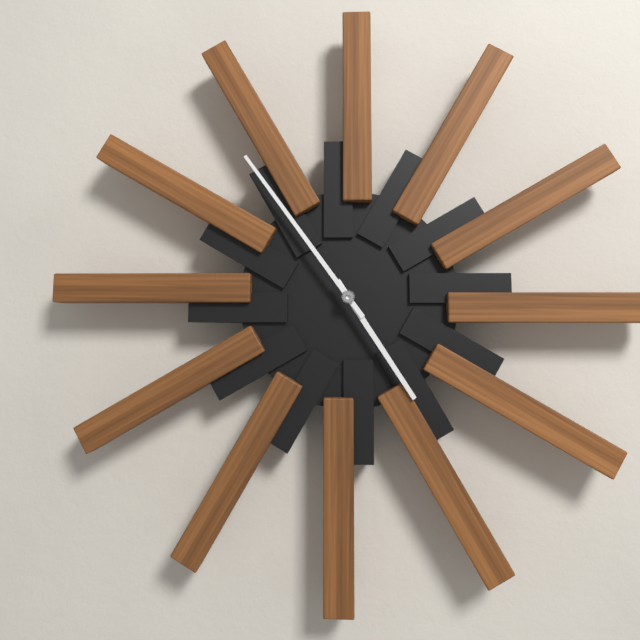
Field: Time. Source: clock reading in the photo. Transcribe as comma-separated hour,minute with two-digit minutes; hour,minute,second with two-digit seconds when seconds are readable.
4,54
